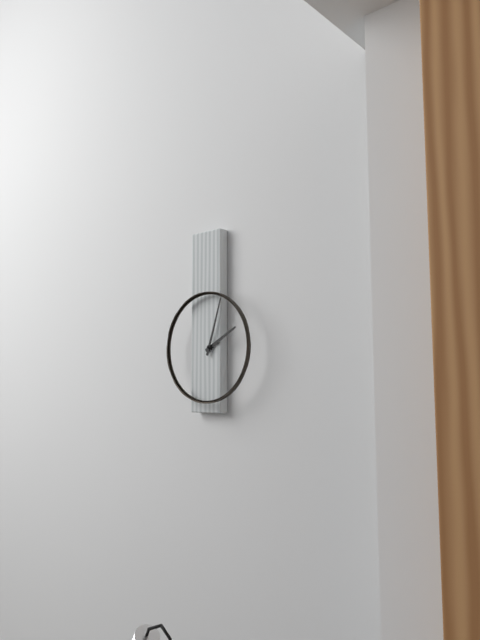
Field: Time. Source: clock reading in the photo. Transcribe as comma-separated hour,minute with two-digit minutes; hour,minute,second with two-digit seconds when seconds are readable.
2,03
